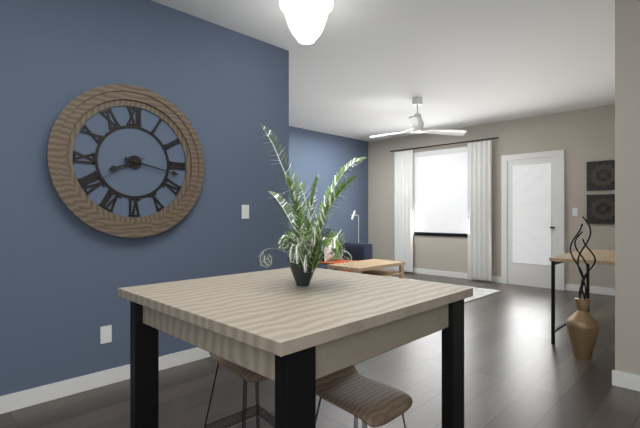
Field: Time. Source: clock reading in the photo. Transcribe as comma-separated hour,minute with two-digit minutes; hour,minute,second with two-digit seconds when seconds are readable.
8,17,40
